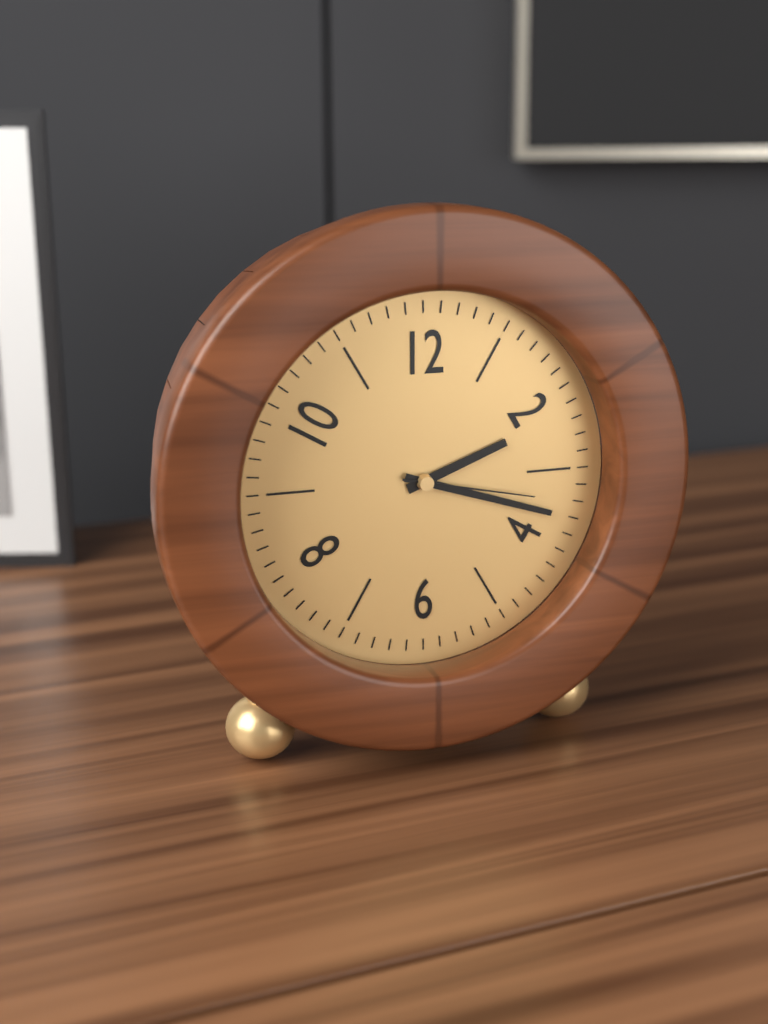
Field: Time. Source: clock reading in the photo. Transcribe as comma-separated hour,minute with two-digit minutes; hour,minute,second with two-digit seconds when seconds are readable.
2,18,17
